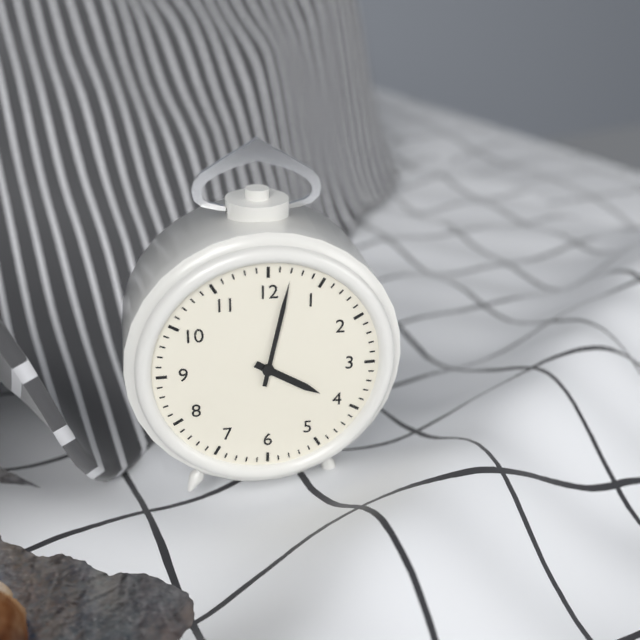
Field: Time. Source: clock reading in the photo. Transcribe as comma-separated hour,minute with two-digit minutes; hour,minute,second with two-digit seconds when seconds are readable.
4,02
